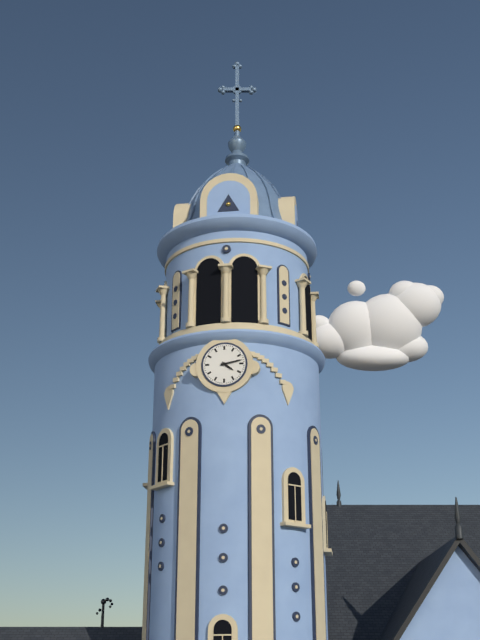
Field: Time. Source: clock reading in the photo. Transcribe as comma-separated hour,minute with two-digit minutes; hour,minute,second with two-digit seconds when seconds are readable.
4,13
